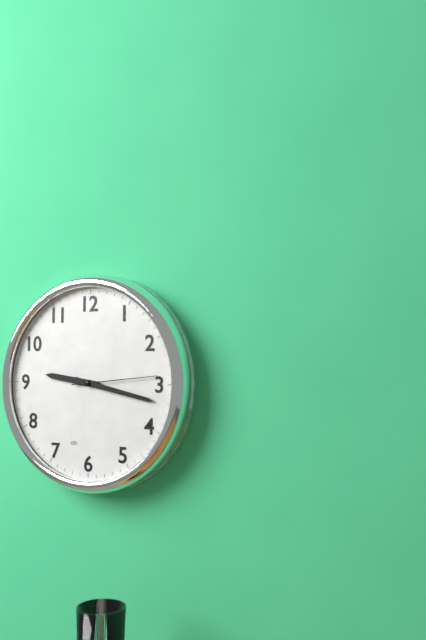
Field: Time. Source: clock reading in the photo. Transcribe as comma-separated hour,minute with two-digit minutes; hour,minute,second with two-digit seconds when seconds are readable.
9,17,14
